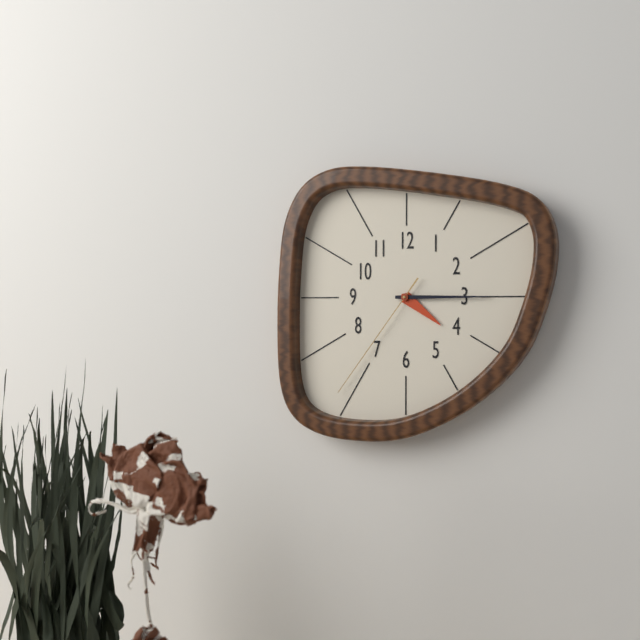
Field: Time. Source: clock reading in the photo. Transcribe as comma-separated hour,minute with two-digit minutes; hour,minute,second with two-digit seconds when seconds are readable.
4,15,36
